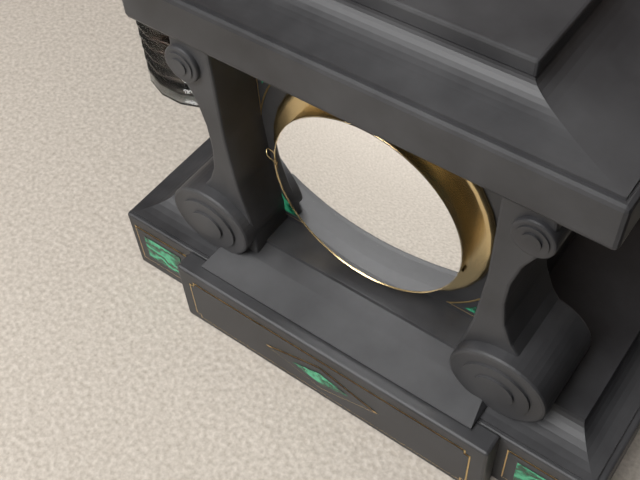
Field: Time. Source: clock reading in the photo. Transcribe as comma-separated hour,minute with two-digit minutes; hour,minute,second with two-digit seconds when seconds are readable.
11,28
